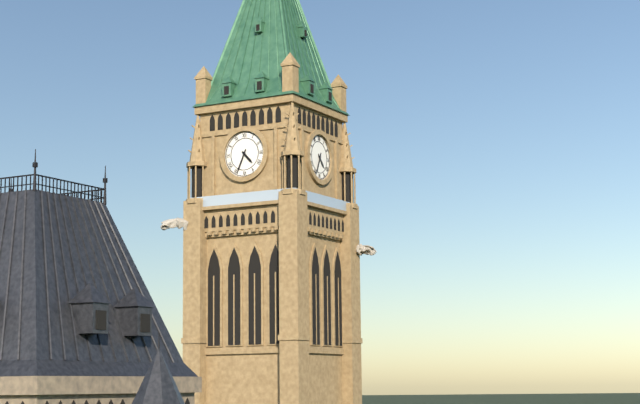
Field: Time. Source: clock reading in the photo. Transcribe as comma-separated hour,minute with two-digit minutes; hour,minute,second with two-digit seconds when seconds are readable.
4,34
